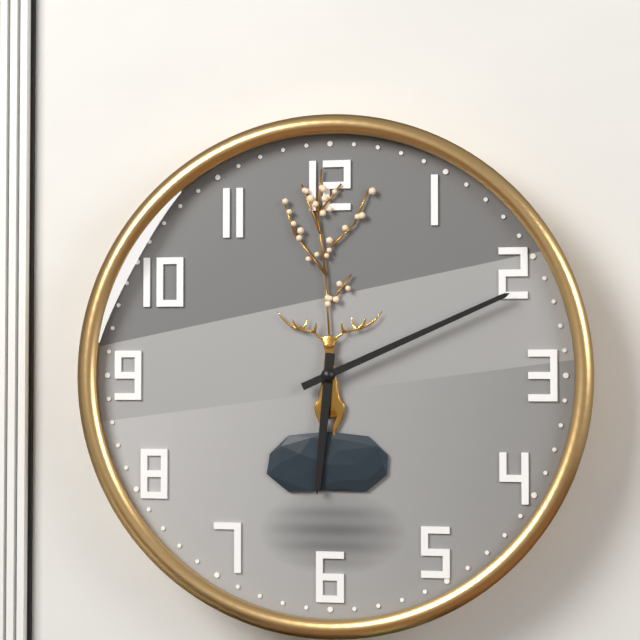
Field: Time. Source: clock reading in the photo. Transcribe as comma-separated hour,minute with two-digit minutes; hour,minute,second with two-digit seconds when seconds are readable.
6,11
